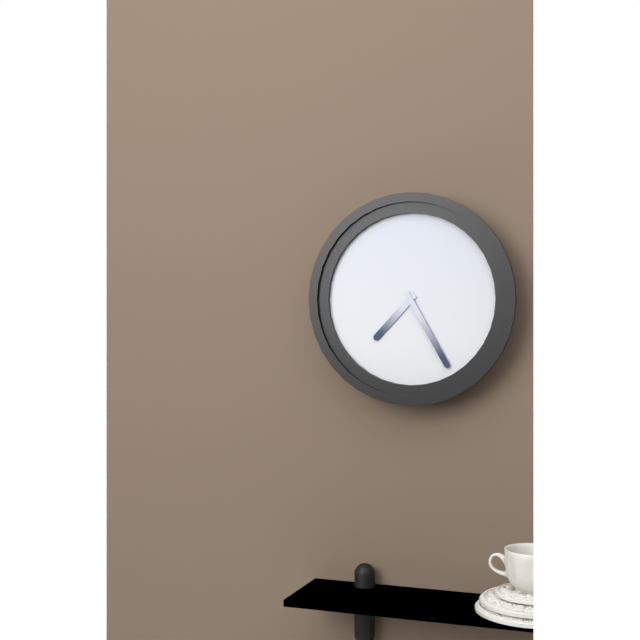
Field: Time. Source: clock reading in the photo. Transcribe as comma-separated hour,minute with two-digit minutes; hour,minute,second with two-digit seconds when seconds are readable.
7,25
